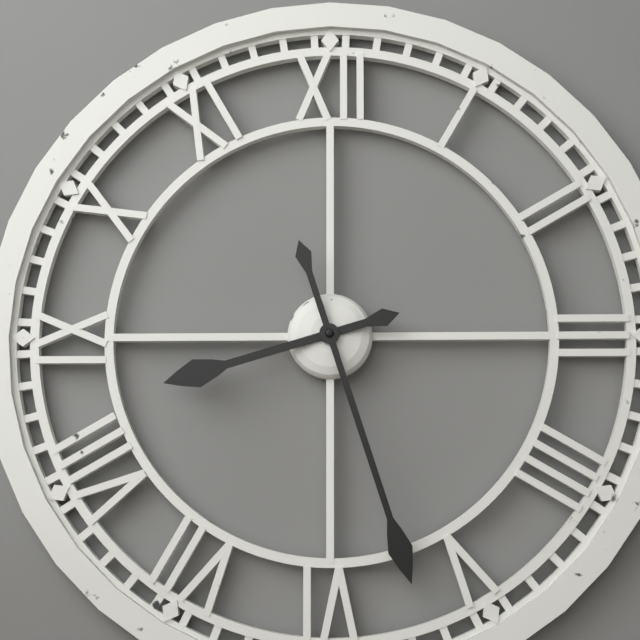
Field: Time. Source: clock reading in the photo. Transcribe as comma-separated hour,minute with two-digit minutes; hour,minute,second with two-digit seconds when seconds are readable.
8,27
